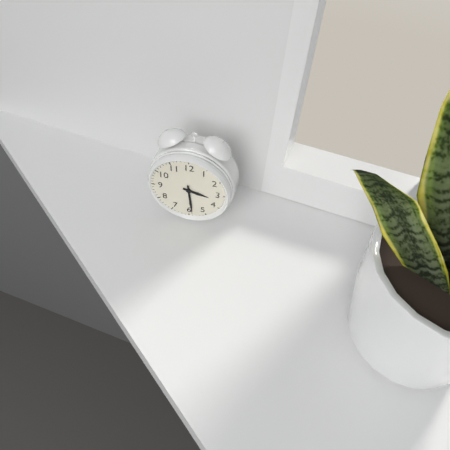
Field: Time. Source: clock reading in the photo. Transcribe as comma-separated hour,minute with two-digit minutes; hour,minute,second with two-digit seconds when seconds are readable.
3,29
